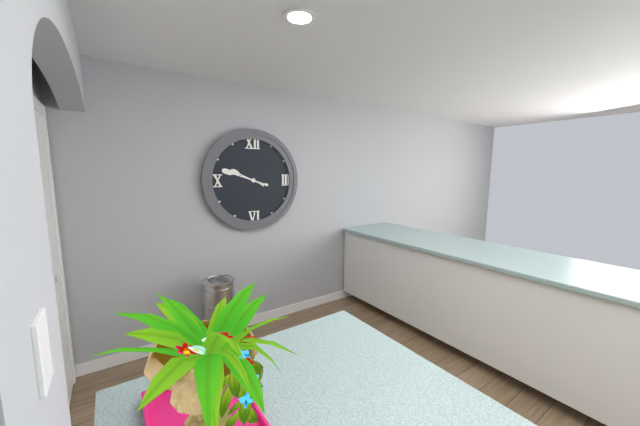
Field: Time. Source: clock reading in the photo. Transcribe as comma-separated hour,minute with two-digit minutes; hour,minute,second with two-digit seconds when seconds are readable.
9,48
